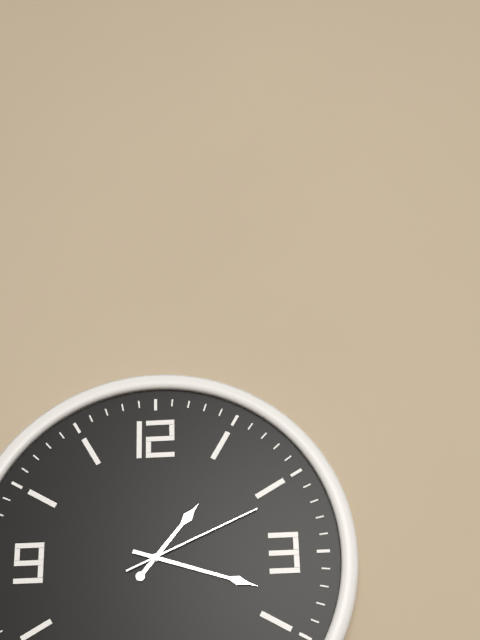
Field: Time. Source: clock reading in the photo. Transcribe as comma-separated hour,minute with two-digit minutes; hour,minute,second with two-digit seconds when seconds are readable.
1,18,11
